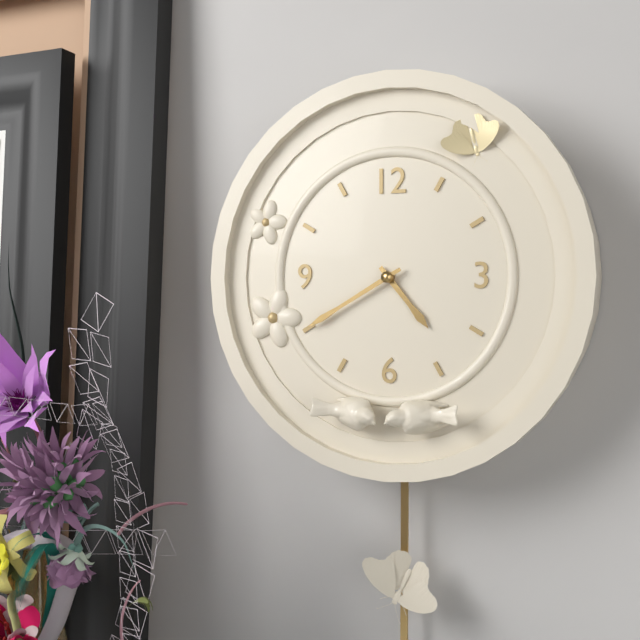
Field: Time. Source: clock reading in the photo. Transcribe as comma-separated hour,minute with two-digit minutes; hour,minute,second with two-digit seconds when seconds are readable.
4,40
